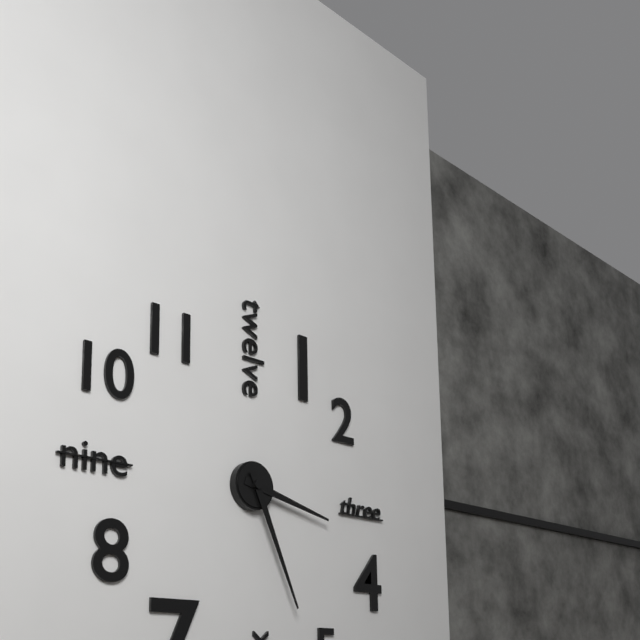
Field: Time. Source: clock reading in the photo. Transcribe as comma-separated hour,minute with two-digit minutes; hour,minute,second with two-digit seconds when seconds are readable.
3,26
